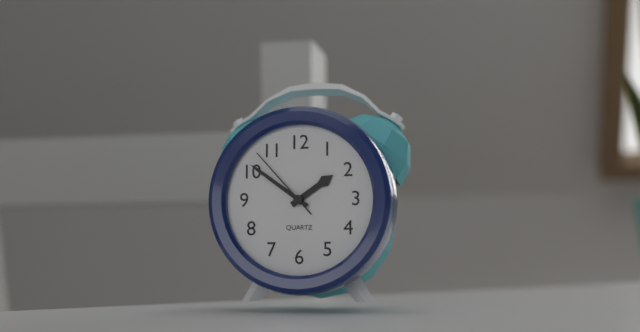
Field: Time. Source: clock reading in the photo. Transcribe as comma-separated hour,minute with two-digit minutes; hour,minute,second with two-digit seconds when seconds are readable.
1,51,53
